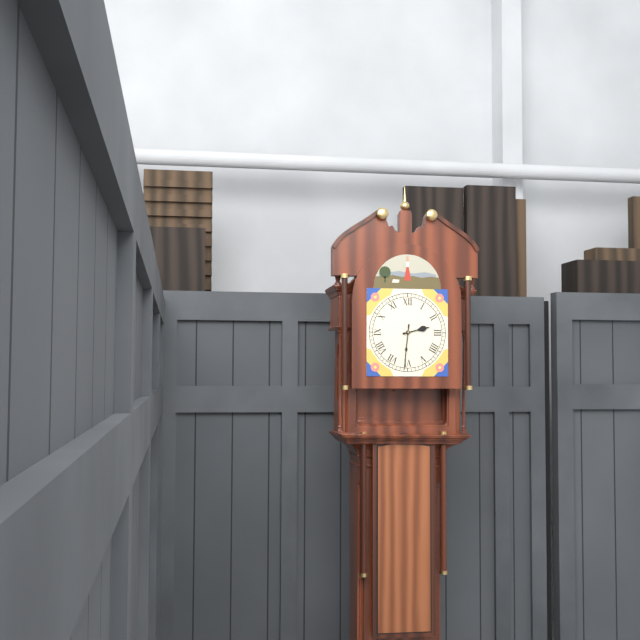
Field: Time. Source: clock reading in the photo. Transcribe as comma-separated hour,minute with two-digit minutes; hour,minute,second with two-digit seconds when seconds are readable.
2,31
